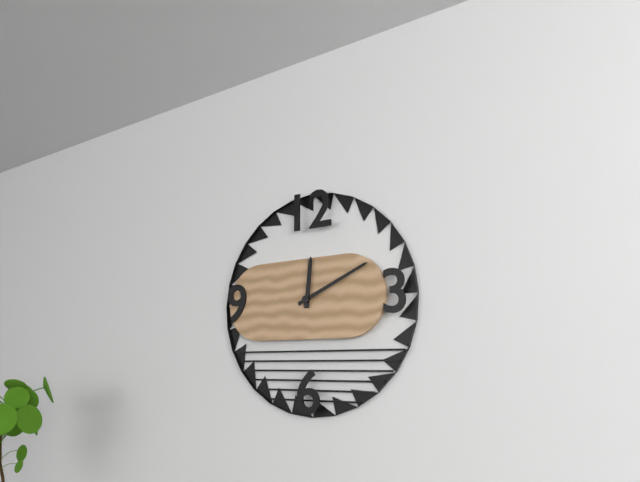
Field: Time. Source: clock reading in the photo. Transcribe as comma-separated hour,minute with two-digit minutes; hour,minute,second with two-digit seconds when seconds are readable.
12,11
